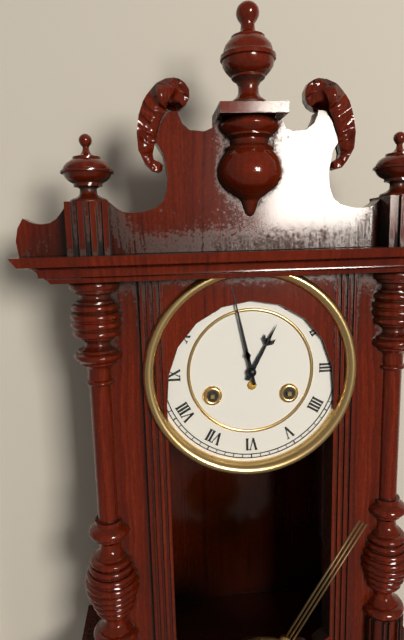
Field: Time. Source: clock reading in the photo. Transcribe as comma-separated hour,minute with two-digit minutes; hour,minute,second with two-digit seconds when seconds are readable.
12,58
